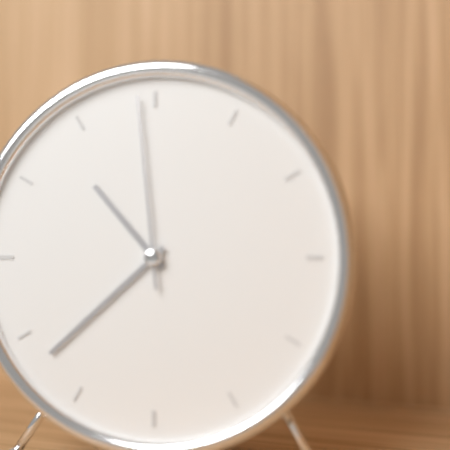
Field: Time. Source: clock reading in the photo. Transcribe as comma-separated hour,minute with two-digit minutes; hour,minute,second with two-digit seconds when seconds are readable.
10,38,59
